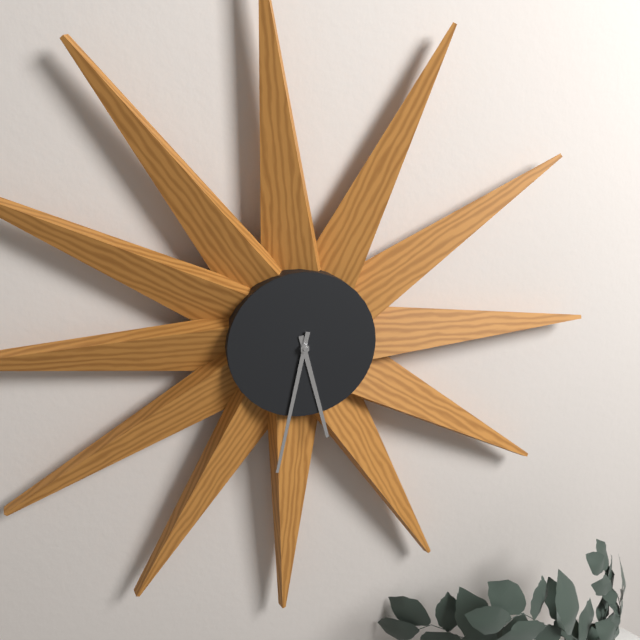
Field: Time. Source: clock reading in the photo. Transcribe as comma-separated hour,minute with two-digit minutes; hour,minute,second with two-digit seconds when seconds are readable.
5,32
